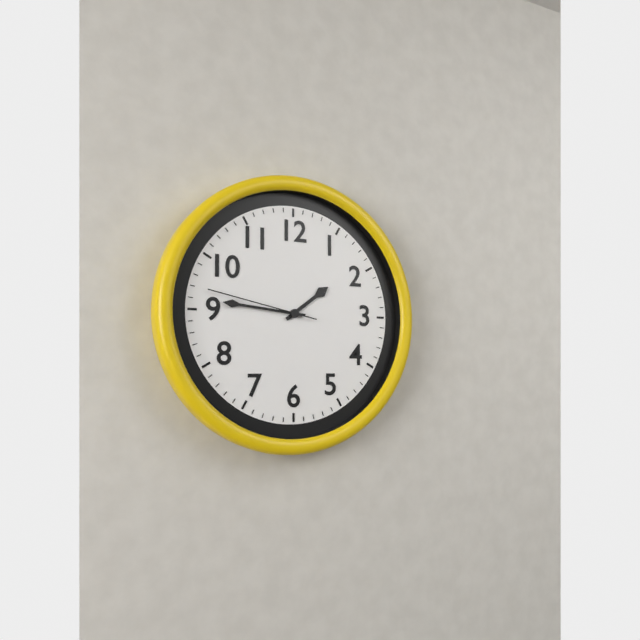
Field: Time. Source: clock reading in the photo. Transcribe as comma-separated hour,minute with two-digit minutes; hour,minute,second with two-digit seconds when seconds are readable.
1,46,47
